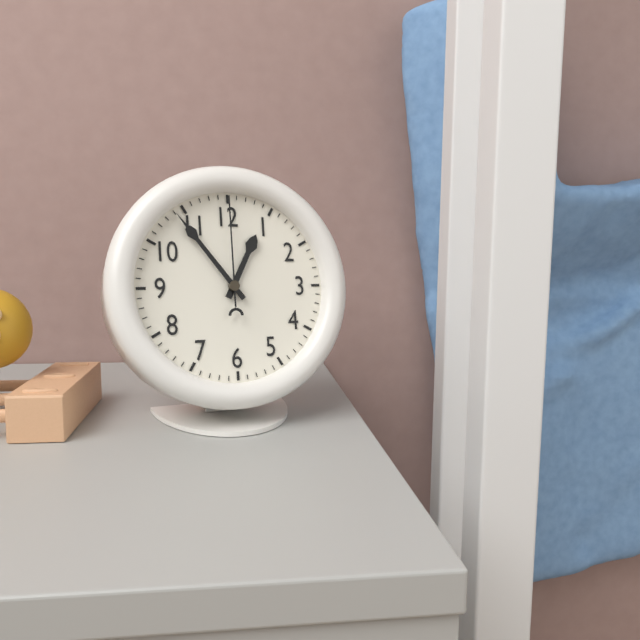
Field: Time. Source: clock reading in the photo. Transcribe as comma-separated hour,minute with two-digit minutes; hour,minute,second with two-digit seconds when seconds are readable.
12,54,00
